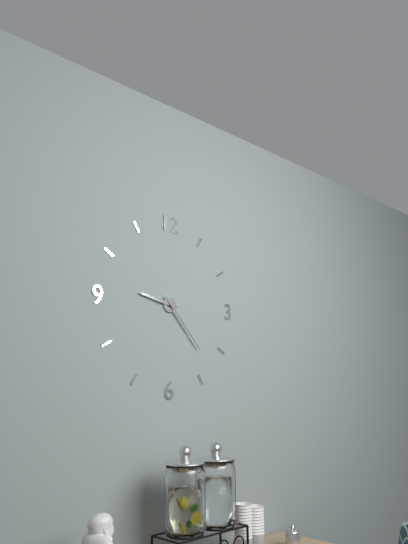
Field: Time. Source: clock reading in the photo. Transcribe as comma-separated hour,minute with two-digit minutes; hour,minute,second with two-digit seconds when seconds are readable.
9,23
